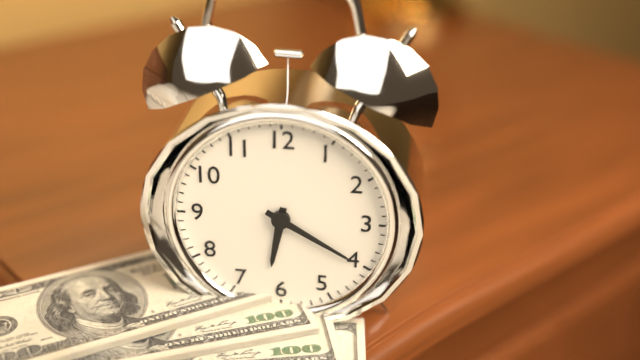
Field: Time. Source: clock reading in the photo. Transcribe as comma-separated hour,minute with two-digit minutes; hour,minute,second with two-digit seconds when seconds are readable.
6,20
